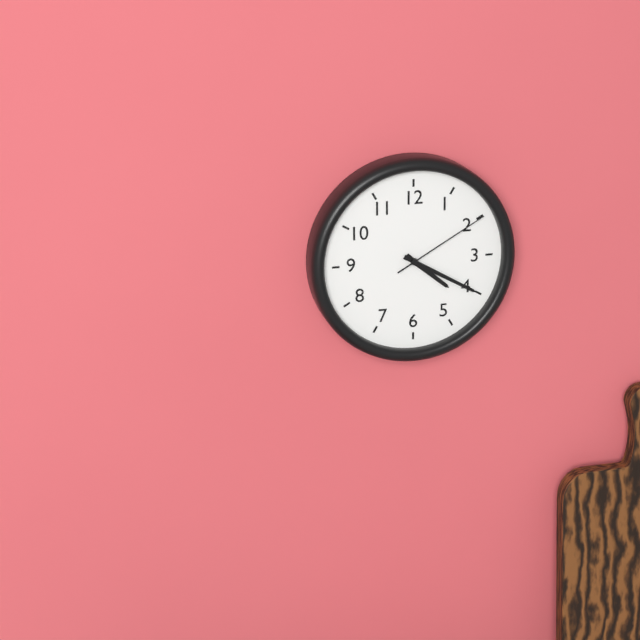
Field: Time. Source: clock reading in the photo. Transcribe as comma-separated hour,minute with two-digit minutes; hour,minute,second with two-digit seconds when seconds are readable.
4,20,10
